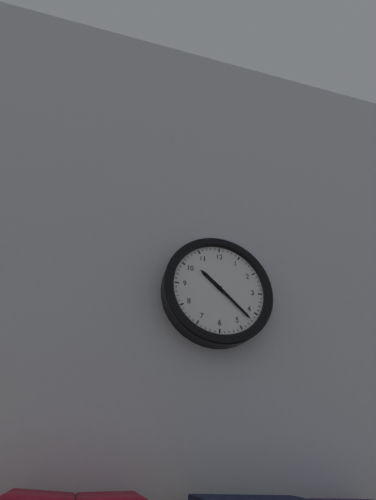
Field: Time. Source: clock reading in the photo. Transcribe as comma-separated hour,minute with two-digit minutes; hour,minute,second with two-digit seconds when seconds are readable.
10,22
